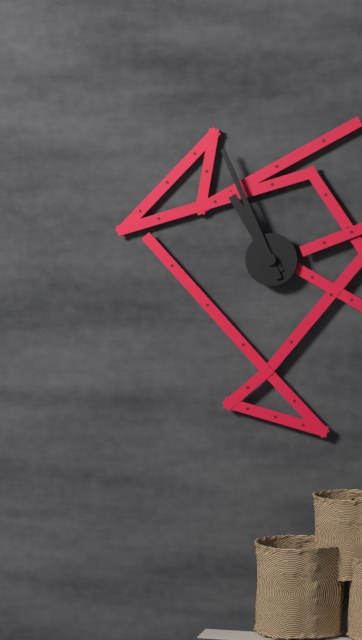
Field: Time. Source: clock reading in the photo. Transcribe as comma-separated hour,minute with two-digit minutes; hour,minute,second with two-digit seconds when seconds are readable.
10,56
